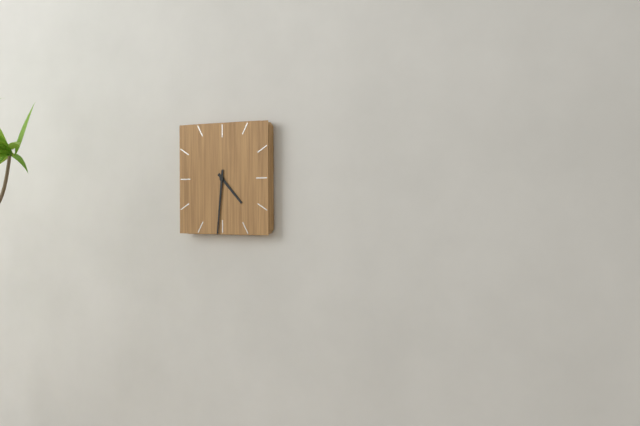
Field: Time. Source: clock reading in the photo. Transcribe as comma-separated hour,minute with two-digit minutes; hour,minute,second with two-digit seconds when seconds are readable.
4,31
